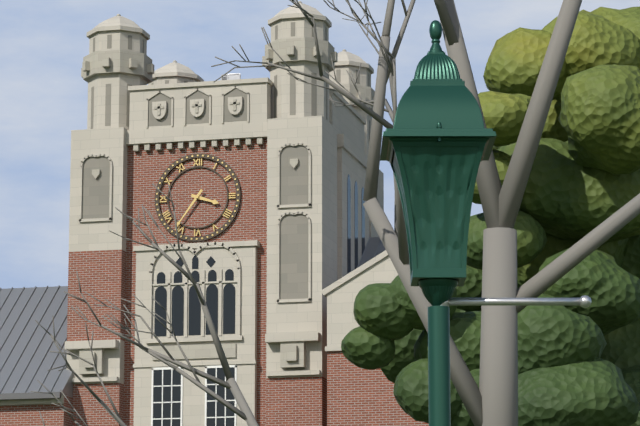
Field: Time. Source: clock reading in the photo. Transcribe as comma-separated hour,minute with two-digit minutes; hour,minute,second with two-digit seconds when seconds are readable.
3,36
